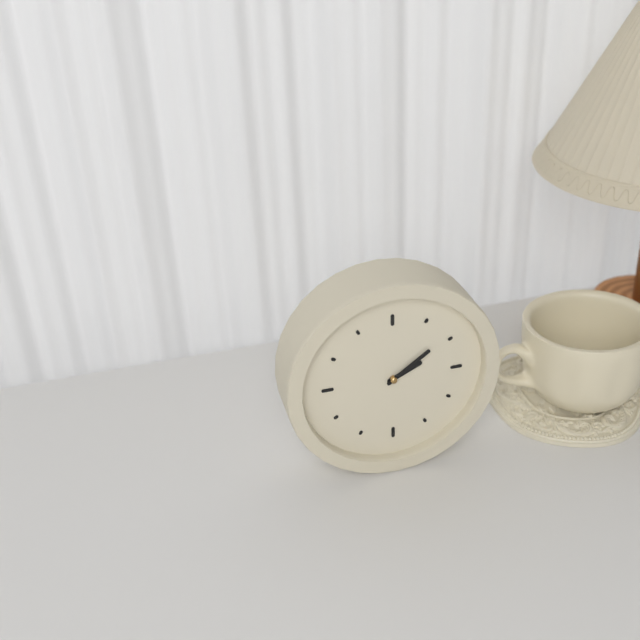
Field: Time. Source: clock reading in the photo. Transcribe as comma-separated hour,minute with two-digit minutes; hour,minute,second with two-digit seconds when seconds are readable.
2,09
